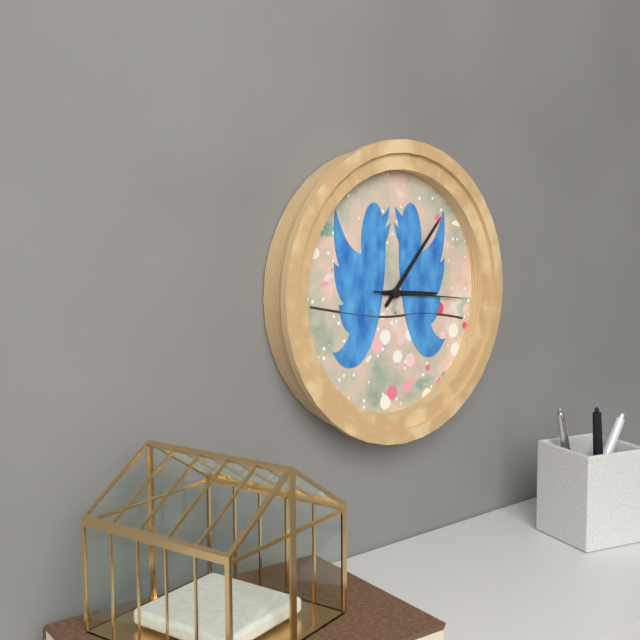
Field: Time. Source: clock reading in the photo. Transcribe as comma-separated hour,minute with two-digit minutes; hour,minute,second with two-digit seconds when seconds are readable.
3,07,16
